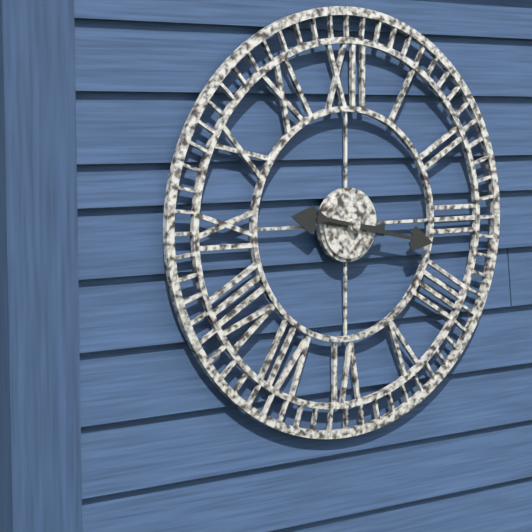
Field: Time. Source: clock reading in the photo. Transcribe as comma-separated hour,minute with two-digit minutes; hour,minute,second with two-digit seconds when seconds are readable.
9,17
